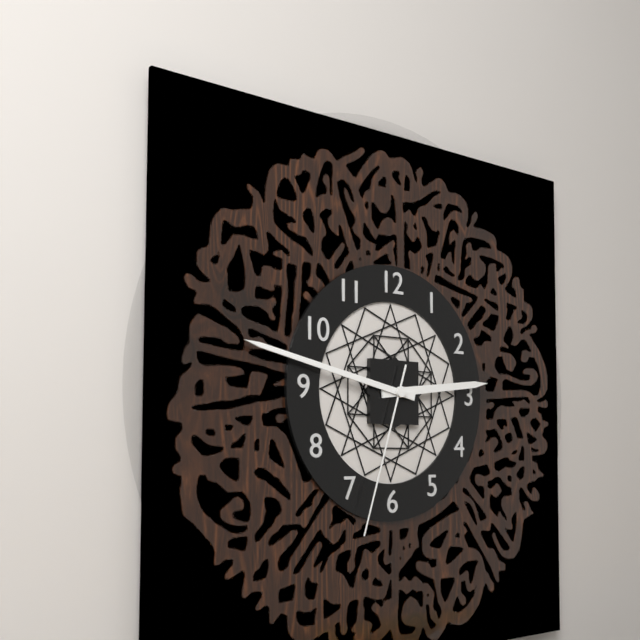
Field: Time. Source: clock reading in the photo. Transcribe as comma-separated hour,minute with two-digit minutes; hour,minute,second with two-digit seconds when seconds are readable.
2,47,33
